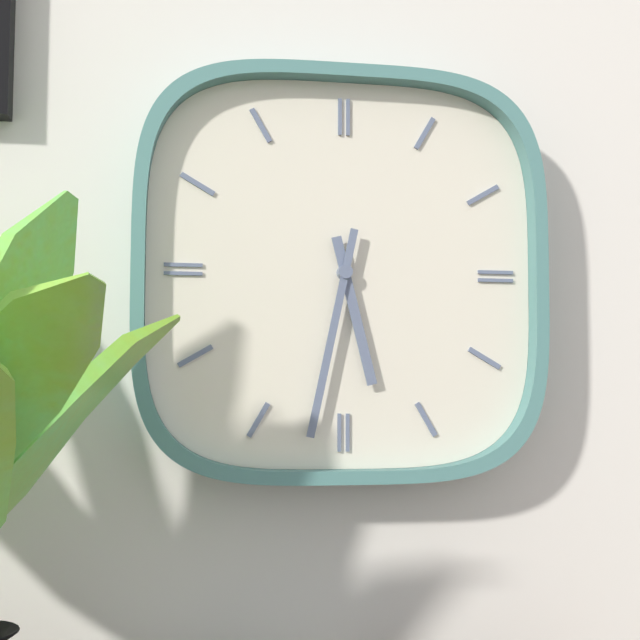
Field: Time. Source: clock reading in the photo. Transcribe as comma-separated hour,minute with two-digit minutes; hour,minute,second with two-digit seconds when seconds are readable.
5,32
